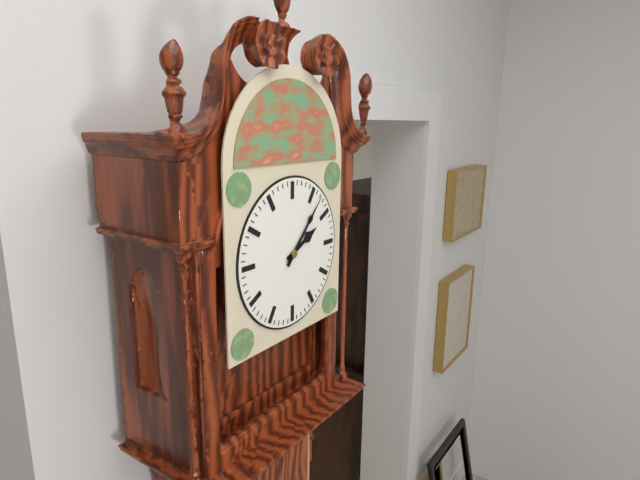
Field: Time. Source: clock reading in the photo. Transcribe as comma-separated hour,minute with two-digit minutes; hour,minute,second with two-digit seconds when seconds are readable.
2,07
